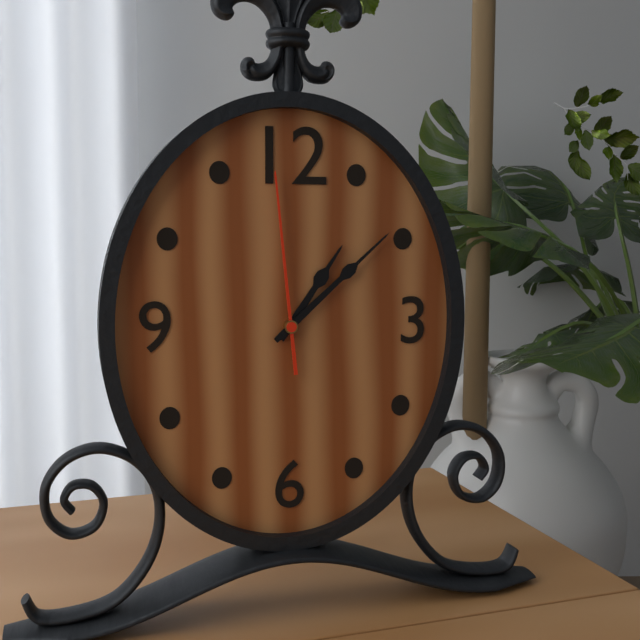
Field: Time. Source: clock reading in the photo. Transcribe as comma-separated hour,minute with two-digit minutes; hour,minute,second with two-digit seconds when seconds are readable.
1,08,59
